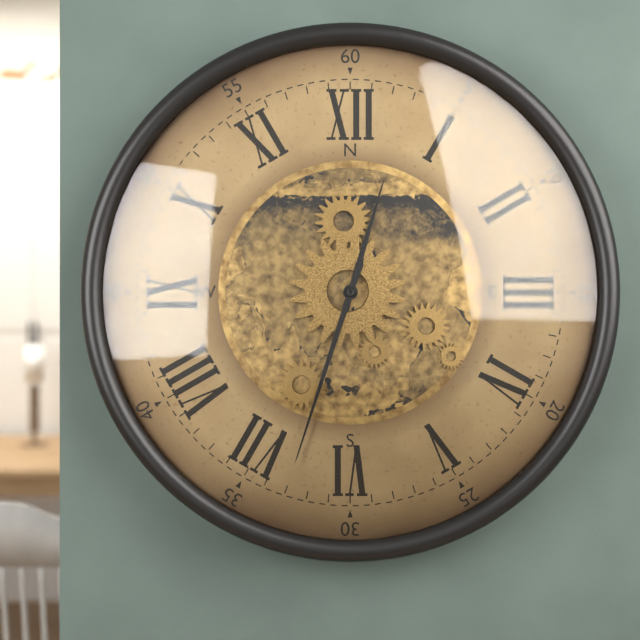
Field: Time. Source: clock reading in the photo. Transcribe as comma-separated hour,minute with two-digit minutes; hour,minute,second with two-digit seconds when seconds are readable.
12,33
